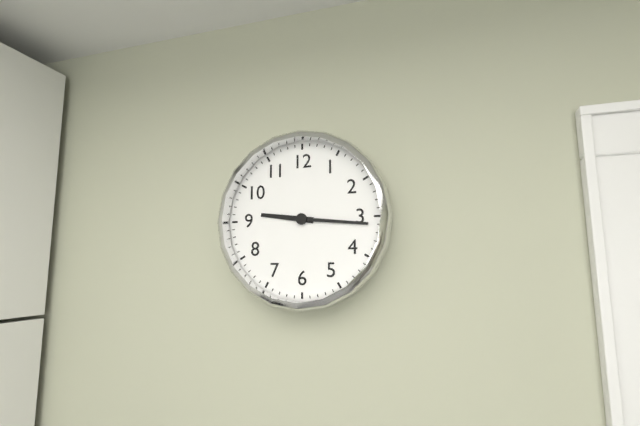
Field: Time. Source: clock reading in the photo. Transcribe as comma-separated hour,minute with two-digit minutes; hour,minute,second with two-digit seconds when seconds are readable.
9,16
